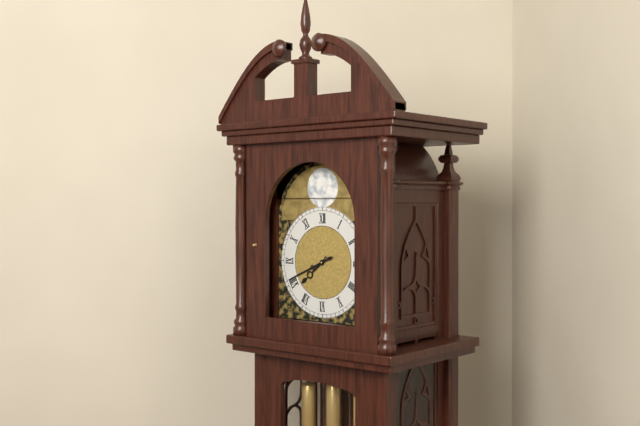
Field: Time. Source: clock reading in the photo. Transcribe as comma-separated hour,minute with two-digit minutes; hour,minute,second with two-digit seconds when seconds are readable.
7,41
